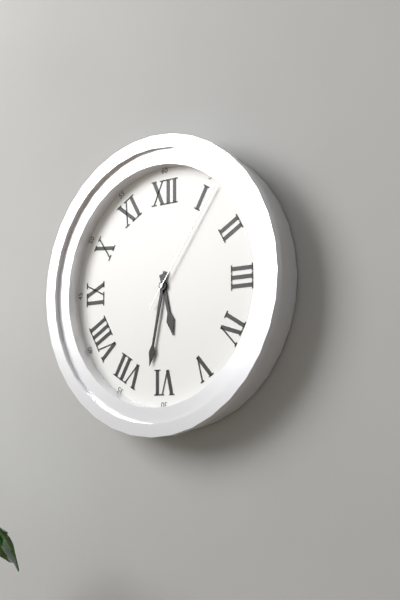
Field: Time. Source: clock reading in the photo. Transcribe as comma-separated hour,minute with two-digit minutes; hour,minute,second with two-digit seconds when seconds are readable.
5,32,06
